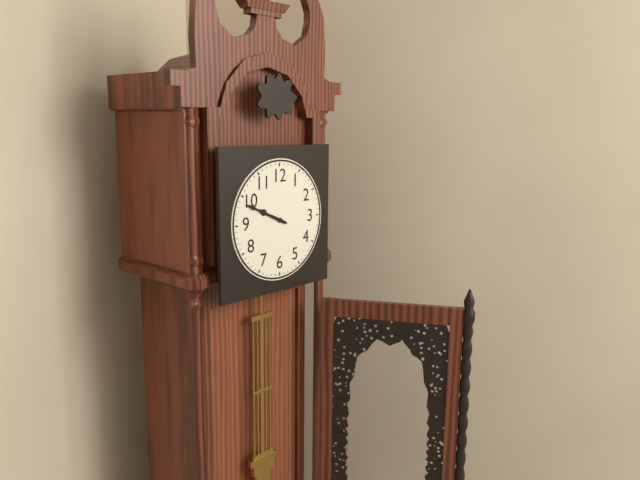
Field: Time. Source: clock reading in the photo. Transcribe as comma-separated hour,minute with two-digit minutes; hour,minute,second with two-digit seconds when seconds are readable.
9,49
